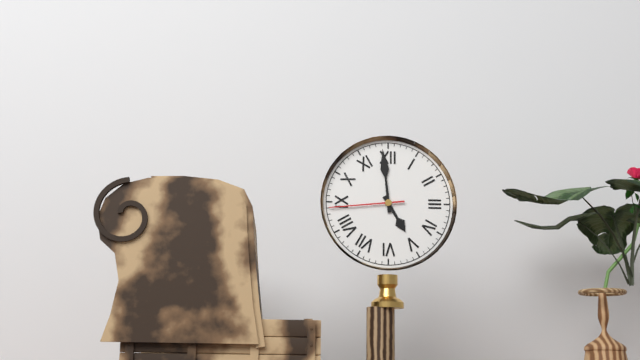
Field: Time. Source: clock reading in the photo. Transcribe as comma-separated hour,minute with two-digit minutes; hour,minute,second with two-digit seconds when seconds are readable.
4,59,44
